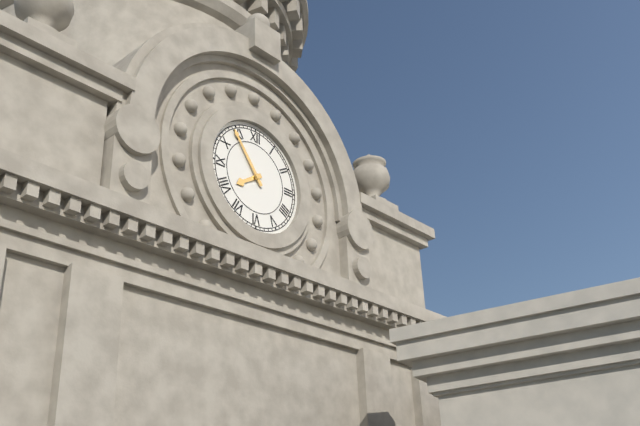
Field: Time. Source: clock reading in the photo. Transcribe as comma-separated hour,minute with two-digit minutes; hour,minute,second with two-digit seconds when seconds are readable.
7,54
